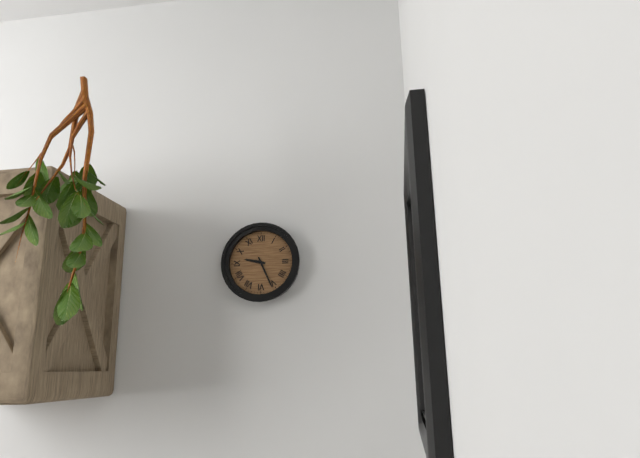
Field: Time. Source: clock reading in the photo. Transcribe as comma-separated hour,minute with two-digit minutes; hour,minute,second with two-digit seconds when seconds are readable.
9,26
